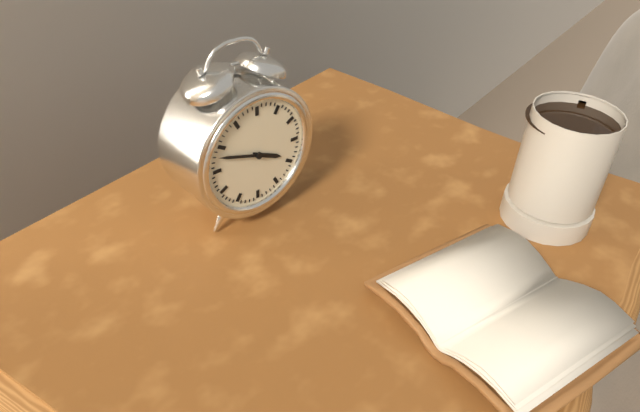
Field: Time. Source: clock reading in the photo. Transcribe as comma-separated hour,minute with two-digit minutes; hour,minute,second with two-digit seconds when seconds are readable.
3,48
